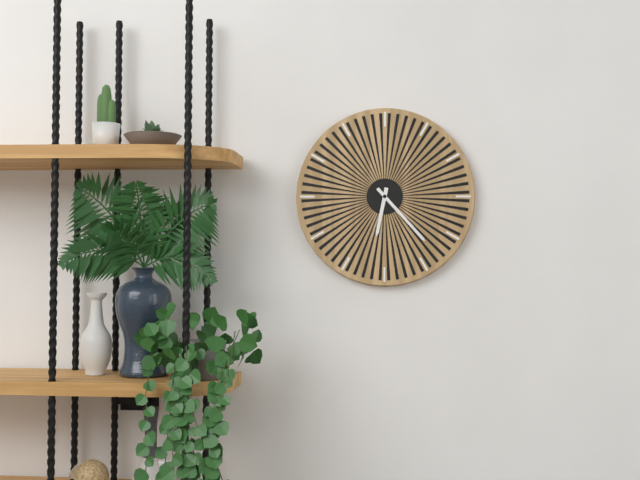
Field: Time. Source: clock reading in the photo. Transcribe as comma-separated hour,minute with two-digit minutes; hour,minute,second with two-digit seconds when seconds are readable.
6,23
